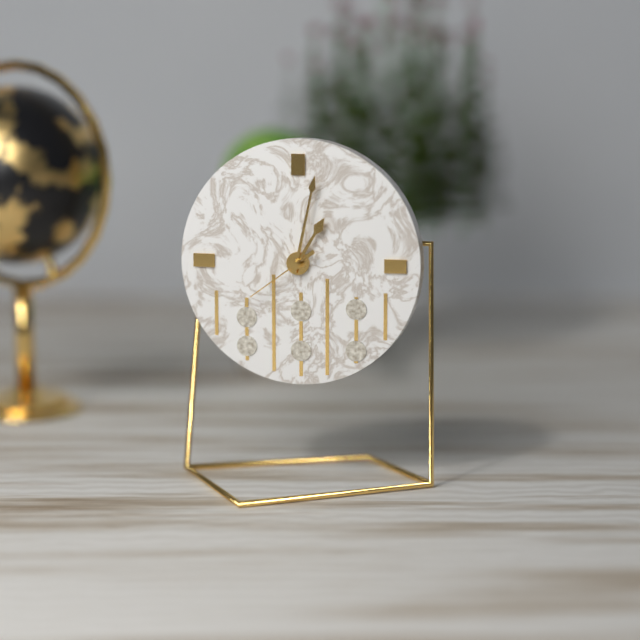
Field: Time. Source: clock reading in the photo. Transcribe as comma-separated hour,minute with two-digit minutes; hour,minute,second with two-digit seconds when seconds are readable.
1,02,39
